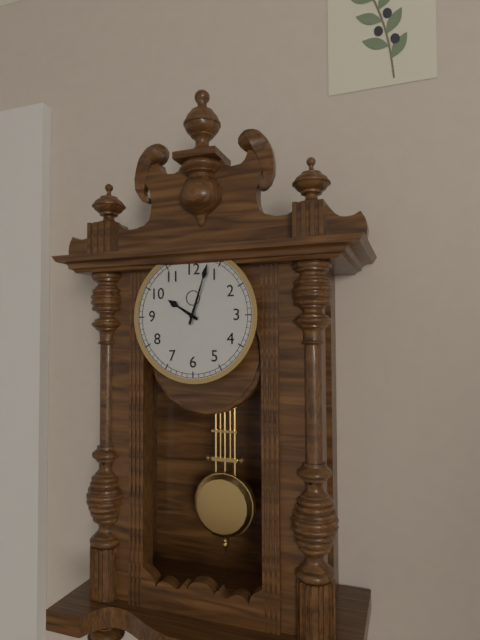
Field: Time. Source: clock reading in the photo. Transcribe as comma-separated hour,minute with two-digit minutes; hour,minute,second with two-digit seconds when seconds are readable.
10,03
